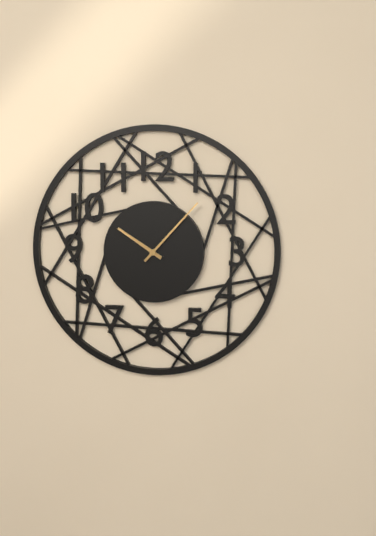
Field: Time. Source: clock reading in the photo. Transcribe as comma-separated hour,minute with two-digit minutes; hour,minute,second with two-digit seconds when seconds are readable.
10,07
